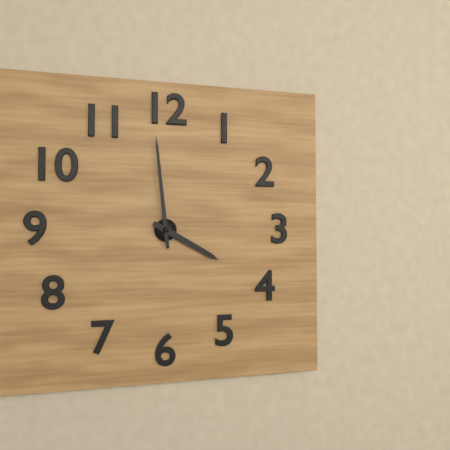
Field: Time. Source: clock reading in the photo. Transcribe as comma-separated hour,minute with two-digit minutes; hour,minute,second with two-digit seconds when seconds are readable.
3,59
